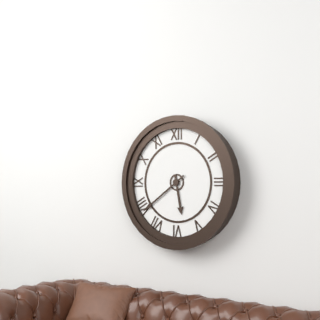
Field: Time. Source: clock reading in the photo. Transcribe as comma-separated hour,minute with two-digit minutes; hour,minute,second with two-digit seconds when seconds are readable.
5,39
